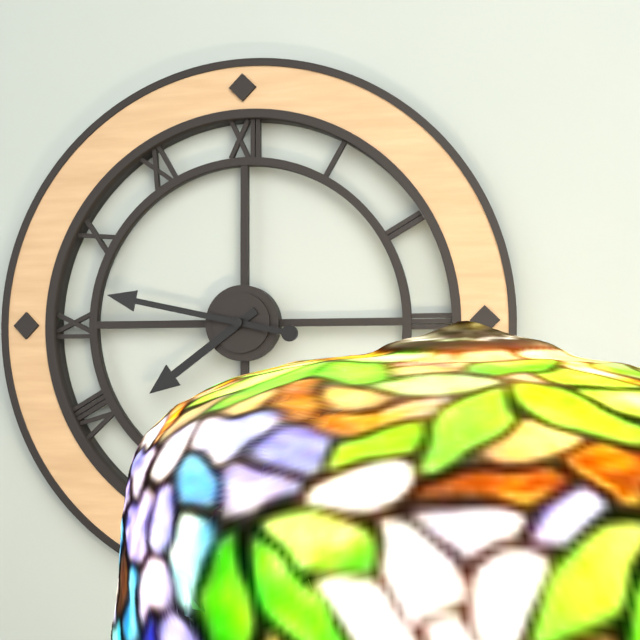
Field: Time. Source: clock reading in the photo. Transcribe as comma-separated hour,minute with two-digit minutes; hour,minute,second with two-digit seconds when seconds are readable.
7,47
